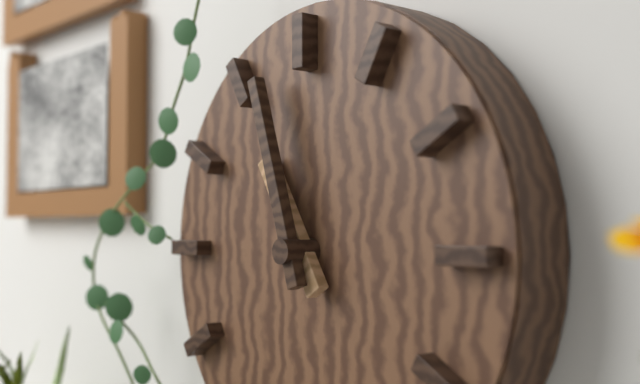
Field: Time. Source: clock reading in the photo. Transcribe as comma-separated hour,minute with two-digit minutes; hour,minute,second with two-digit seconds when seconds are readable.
10,57
